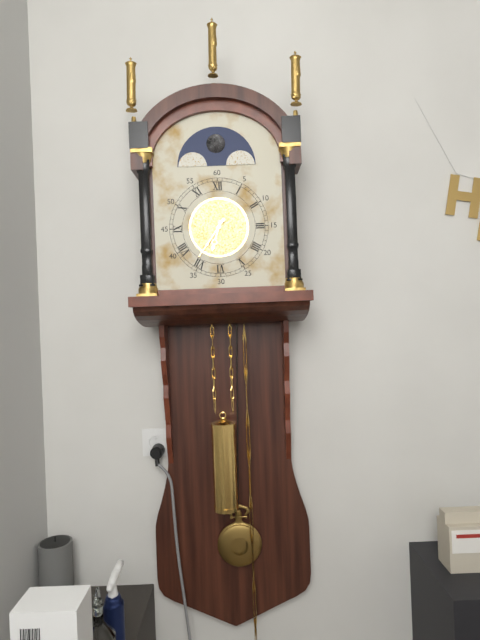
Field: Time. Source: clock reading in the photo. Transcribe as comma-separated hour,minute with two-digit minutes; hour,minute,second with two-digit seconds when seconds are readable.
6,36
